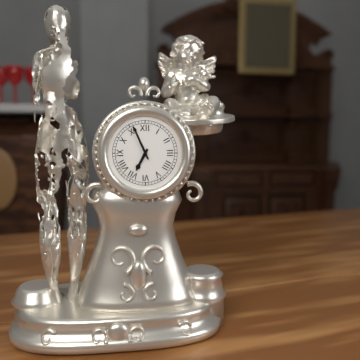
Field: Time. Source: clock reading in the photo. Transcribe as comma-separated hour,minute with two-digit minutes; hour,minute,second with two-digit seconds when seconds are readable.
6,56
